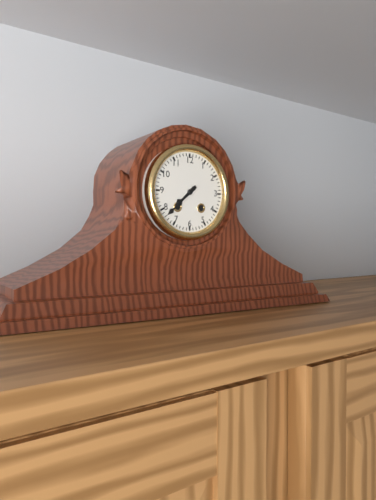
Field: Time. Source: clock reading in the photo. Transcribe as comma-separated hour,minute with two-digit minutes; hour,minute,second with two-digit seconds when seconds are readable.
7,38
